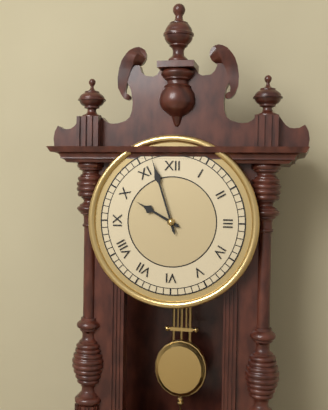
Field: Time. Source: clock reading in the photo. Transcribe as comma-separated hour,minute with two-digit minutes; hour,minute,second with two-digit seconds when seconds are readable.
9,57
